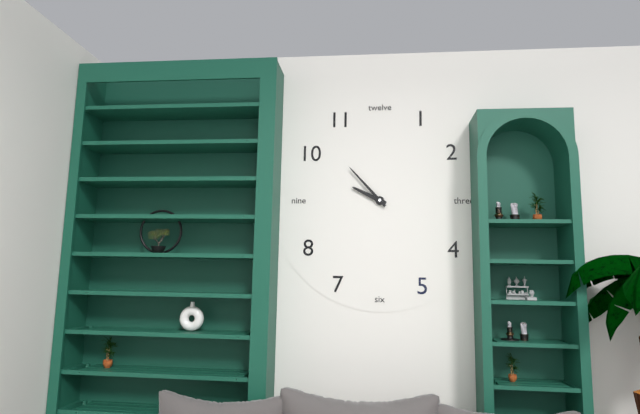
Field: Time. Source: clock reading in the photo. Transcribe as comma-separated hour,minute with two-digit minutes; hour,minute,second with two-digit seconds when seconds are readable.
9,53
